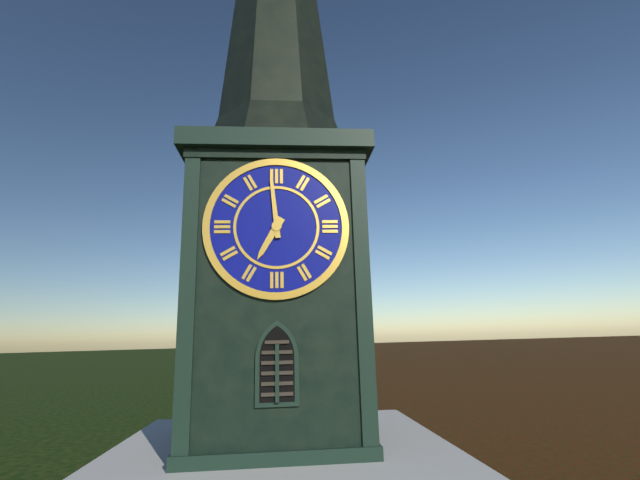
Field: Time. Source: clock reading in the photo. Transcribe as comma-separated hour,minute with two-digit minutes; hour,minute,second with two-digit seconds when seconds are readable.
6,59
